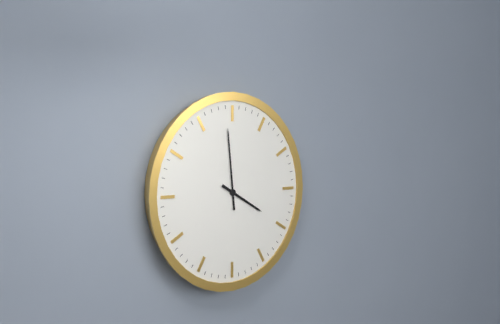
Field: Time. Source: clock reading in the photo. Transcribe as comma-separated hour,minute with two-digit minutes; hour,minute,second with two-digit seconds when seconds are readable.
3,59
